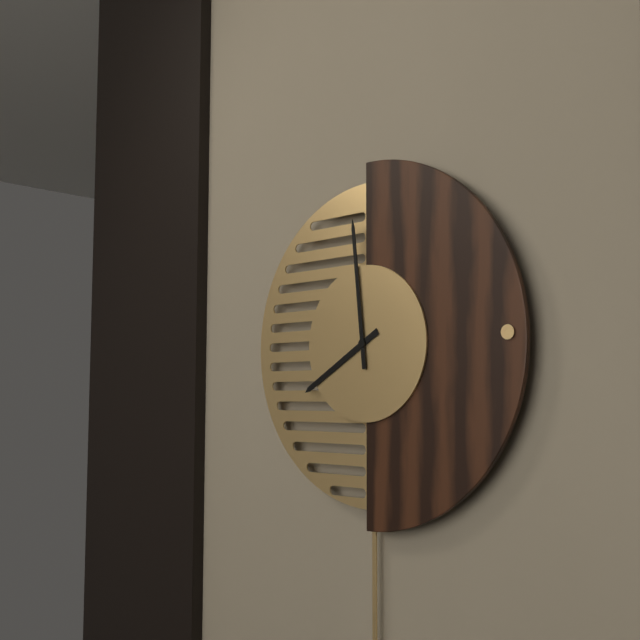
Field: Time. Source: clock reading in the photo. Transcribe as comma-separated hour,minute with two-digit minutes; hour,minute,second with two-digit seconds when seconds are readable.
7,59
